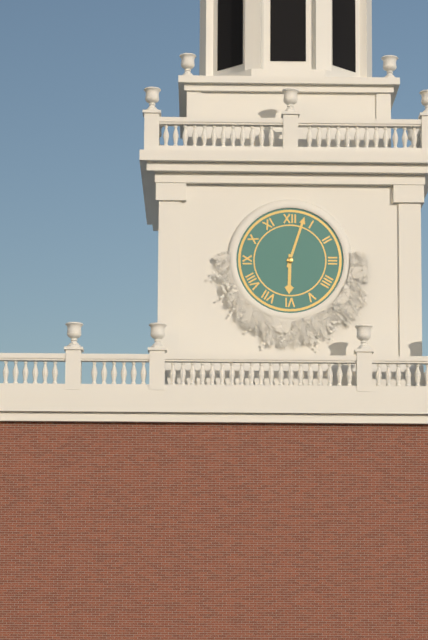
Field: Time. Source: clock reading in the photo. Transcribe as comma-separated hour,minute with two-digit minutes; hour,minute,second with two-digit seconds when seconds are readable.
6,03
